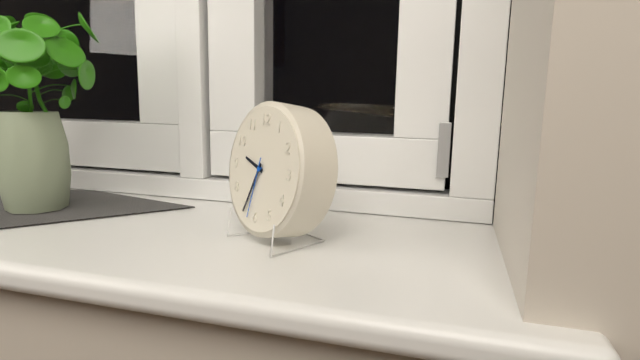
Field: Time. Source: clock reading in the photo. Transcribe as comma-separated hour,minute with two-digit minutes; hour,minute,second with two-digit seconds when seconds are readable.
9,34,32
